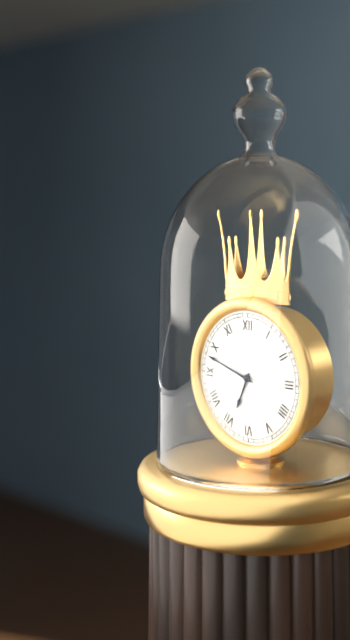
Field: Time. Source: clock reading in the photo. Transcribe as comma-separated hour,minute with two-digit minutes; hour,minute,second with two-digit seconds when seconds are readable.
6,48
